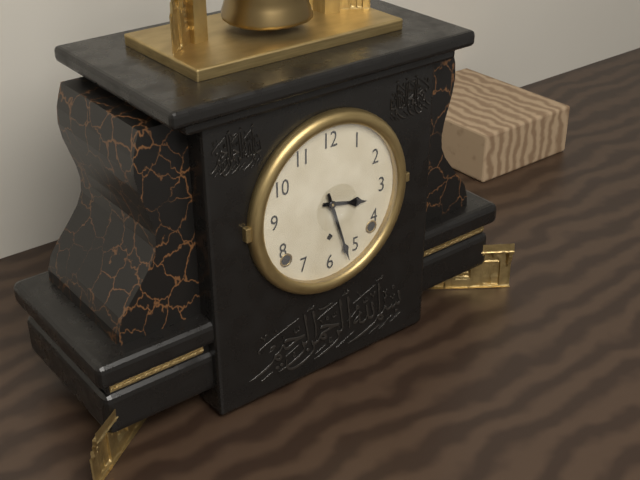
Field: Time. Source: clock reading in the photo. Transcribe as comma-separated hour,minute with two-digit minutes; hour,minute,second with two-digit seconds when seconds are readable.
3,27
